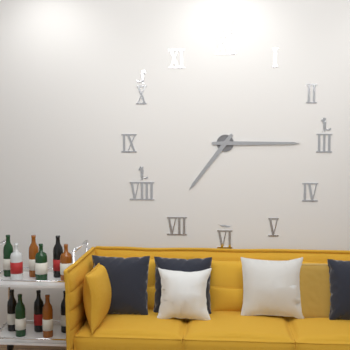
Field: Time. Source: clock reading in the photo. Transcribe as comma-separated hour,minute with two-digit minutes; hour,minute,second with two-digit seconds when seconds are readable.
7,15
